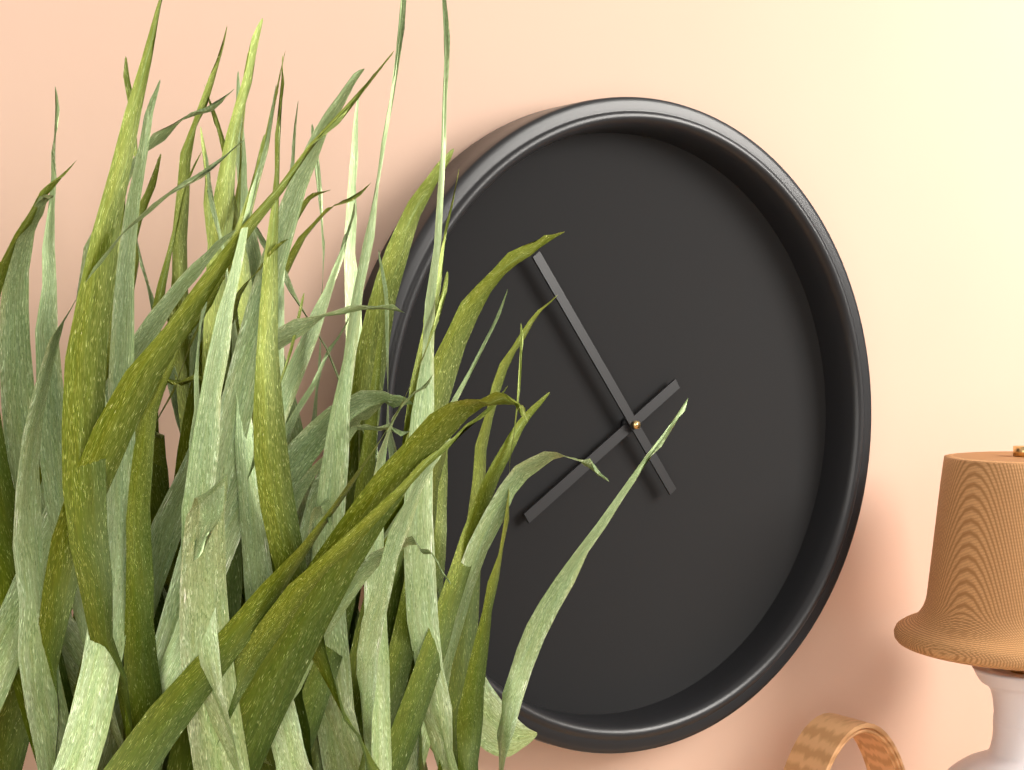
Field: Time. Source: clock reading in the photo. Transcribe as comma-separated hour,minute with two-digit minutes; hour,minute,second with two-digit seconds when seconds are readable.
7,54
